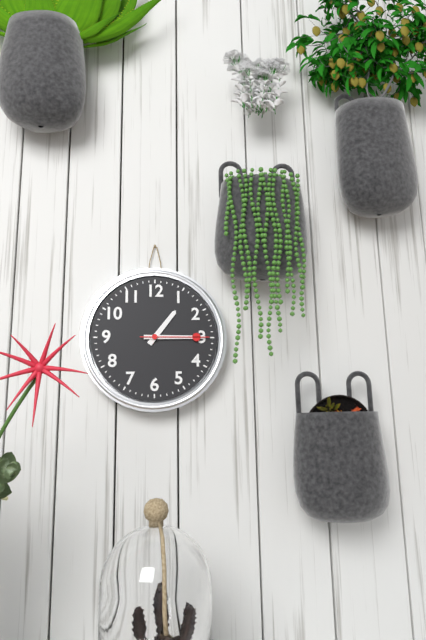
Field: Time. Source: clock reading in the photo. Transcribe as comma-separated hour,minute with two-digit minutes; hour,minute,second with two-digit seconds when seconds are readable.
1,15,15
